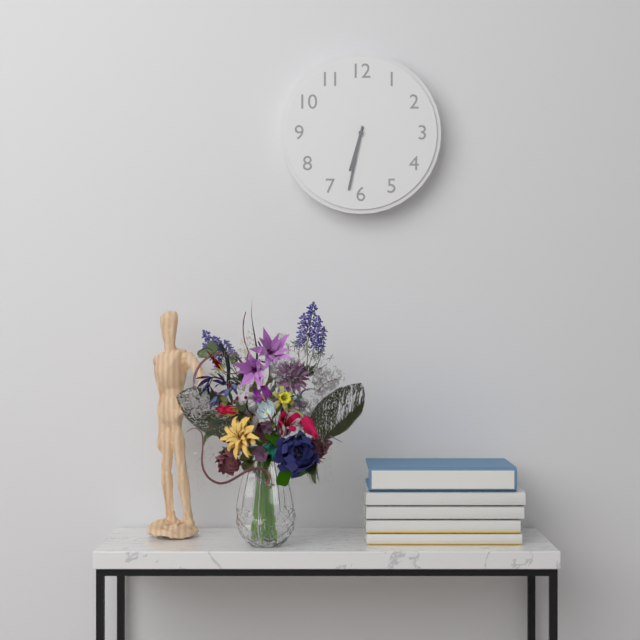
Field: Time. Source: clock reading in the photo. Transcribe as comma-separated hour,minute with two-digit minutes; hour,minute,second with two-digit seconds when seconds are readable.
6,32
